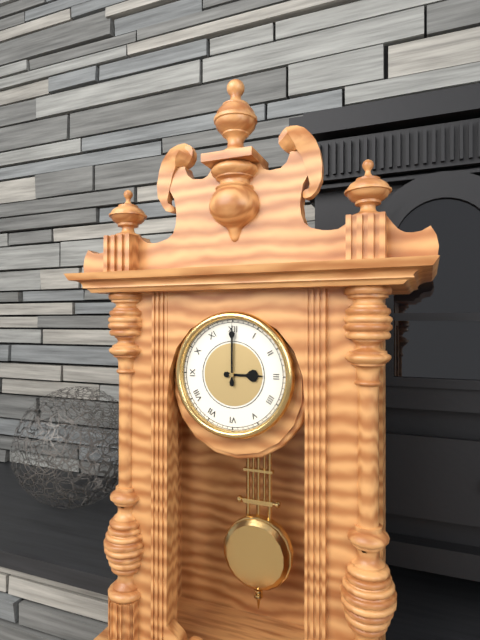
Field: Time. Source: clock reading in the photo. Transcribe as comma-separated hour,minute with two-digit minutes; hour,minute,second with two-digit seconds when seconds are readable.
3,00
